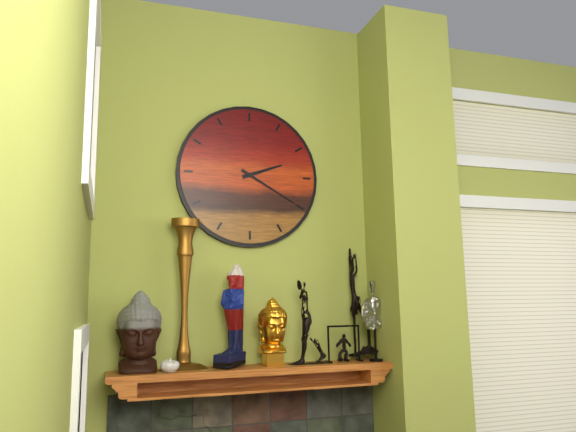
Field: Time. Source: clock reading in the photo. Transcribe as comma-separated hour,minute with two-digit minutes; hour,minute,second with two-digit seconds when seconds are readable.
2,20
